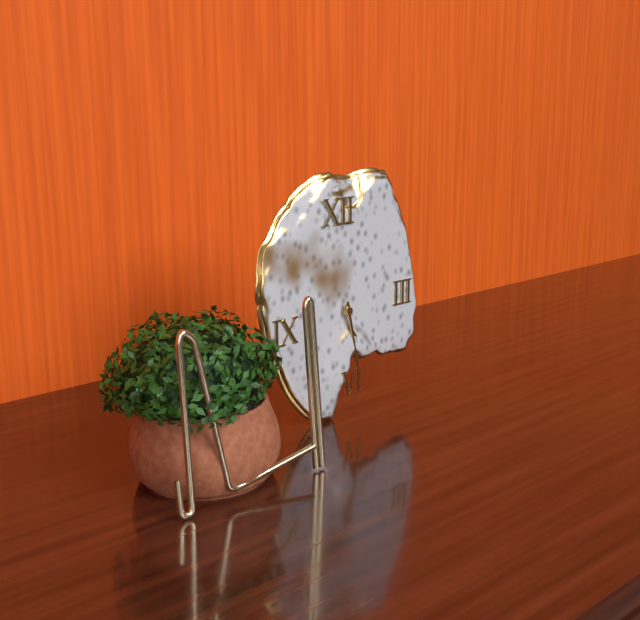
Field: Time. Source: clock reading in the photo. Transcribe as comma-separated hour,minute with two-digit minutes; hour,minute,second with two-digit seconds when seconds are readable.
5,28
